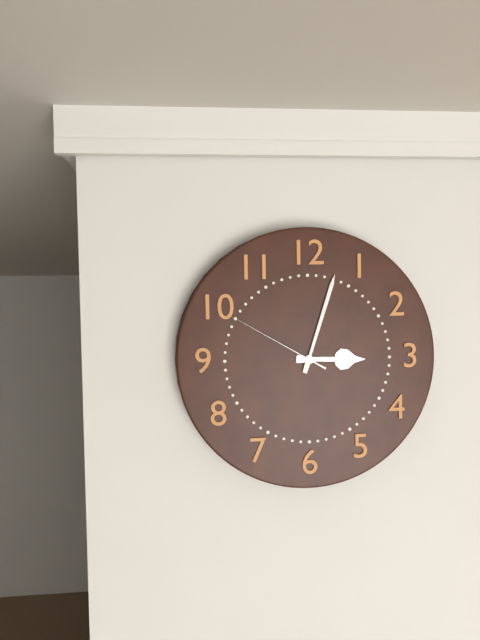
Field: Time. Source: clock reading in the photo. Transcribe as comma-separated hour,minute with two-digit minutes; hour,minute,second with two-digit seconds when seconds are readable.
3,03,50
